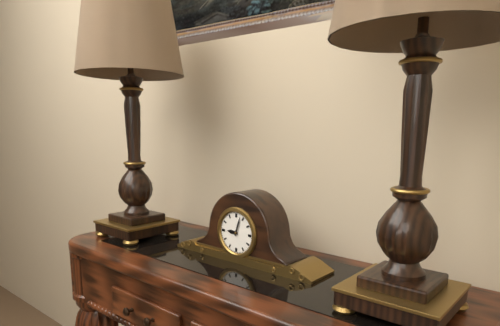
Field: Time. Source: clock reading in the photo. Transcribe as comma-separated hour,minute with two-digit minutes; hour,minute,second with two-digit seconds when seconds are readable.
9,03
